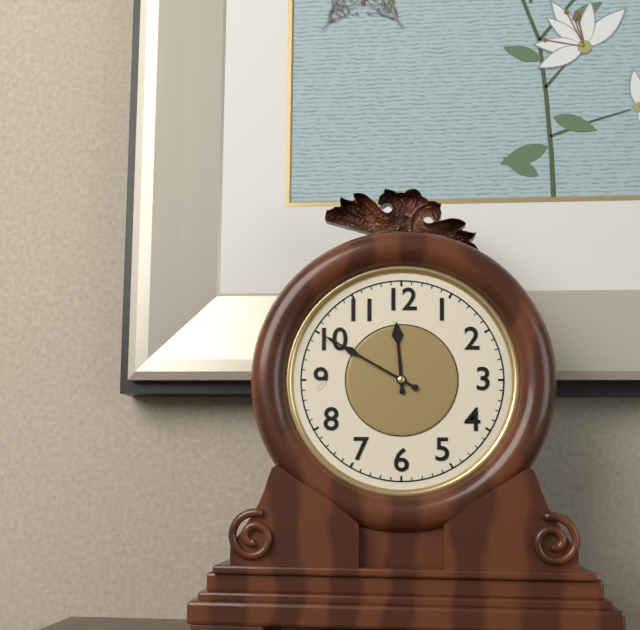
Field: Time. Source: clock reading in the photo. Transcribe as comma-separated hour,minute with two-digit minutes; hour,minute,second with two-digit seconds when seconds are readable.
11,50
